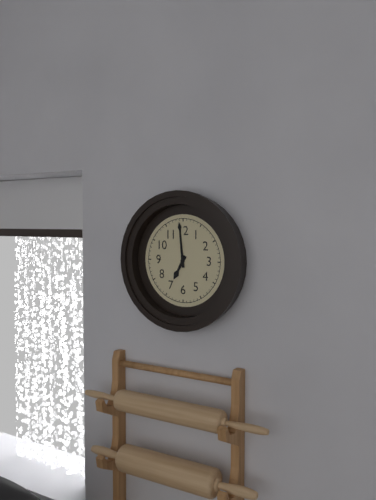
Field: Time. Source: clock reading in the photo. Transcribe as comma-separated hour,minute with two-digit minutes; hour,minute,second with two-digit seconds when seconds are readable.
6,59
